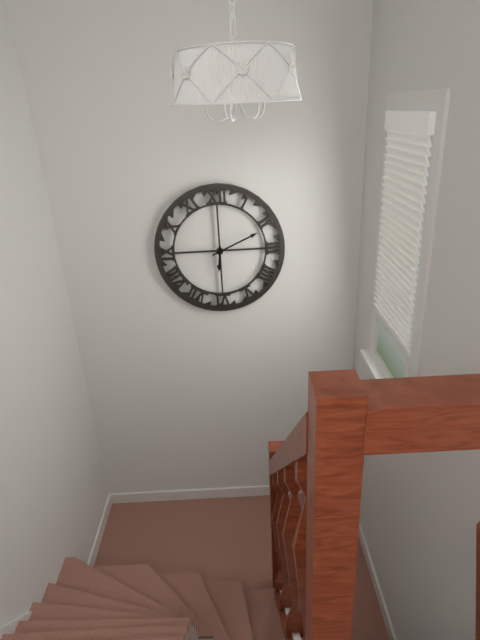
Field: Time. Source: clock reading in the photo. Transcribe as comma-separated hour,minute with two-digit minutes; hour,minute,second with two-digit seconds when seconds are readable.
6,11
